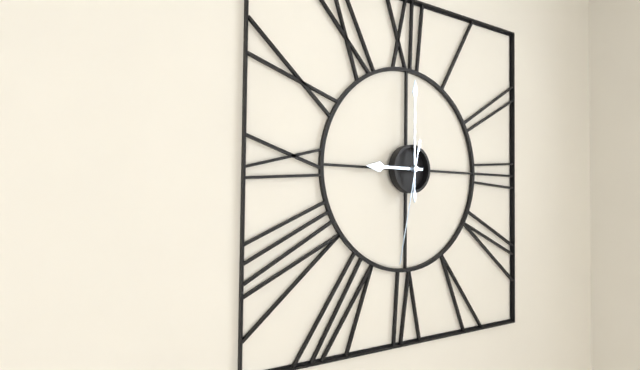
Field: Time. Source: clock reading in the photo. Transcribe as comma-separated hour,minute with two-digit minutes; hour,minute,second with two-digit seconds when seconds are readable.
9,00,32
